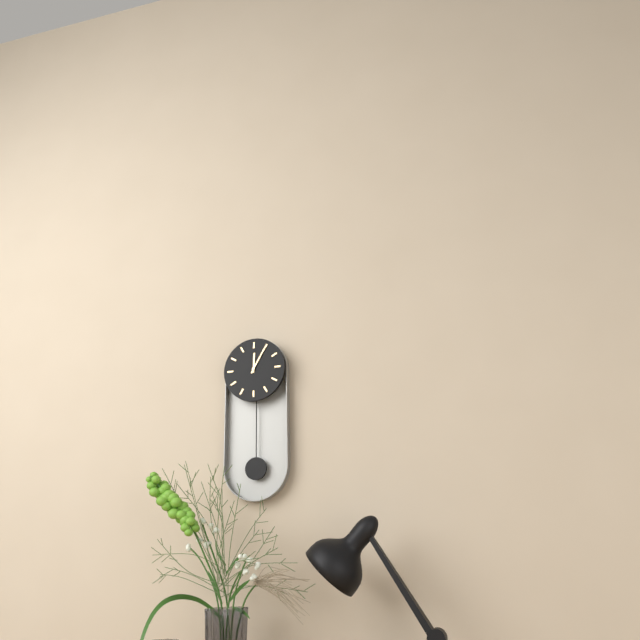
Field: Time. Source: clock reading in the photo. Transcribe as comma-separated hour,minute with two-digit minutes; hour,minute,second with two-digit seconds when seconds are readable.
12,05
